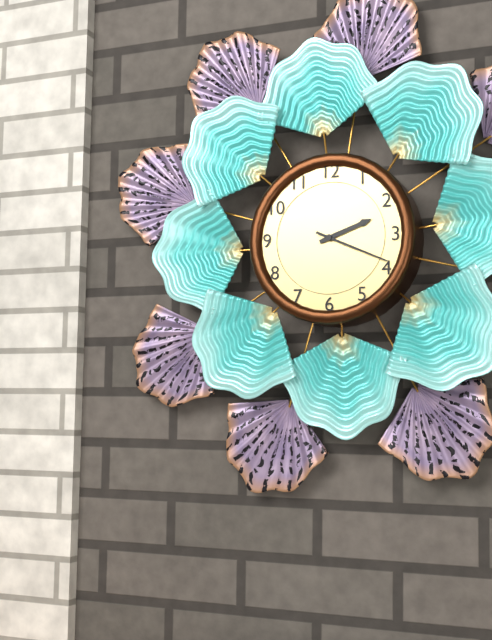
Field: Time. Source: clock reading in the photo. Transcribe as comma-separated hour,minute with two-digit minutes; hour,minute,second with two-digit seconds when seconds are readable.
2,19
